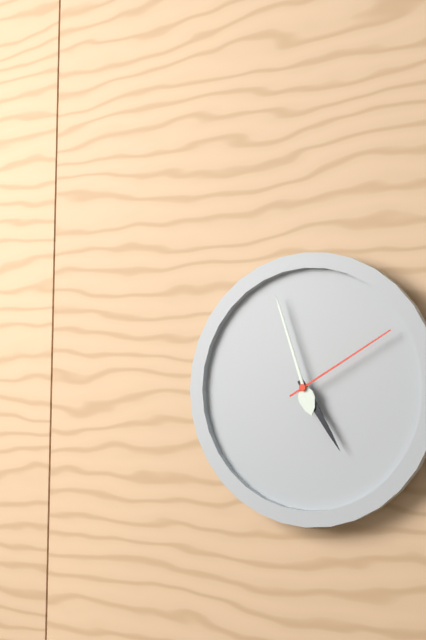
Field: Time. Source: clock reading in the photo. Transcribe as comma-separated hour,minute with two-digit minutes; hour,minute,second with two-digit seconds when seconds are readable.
4,57,10
